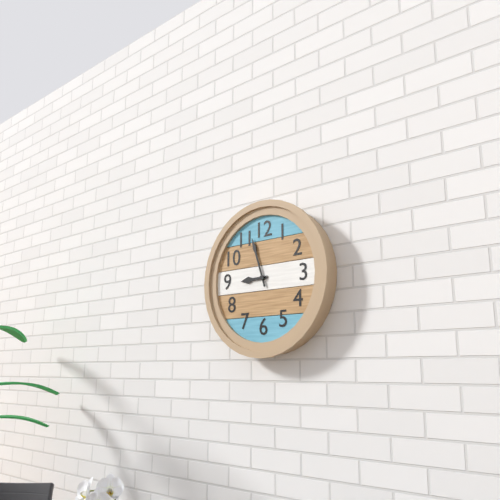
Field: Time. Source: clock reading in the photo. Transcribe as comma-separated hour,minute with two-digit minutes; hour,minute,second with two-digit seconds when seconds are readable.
8,57
